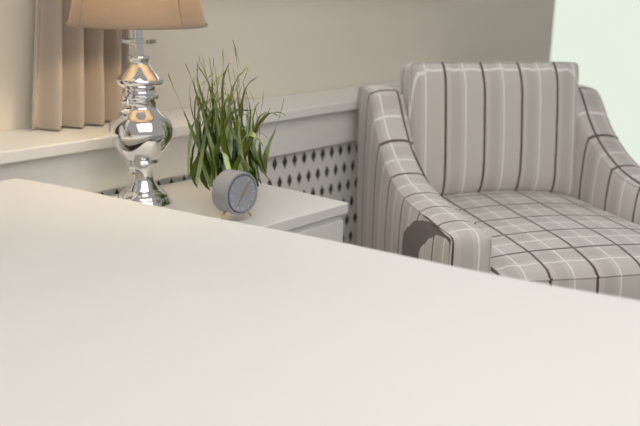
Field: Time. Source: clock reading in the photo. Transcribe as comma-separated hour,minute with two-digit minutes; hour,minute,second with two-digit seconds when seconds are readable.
7,06
